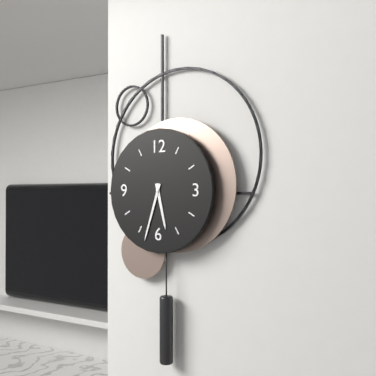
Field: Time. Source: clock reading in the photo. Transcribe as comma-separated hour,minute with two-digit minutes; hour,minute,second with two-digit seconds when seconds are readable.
5,33
